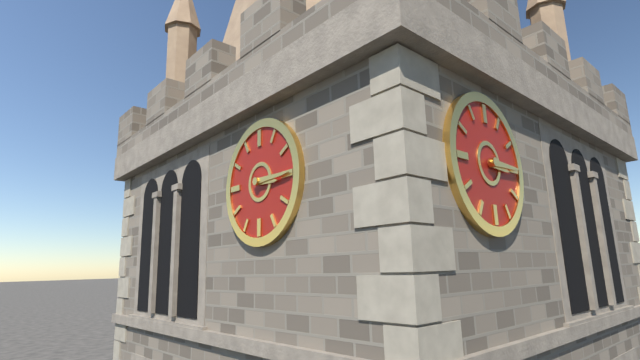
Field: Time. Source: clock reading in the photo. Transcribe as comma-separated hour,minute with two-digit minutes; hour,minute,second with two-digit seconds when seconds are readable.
3,15
